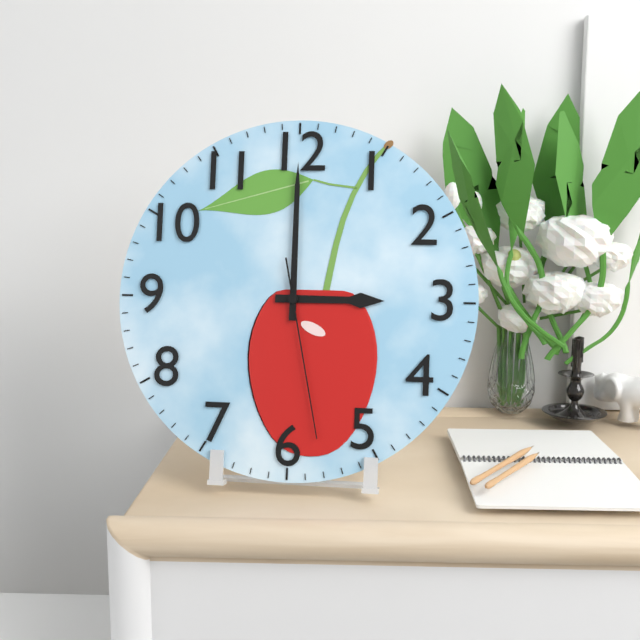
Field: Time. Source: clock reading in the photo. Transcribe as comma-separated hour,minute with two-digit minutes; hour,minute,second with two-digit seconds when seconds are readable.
3,00,28
